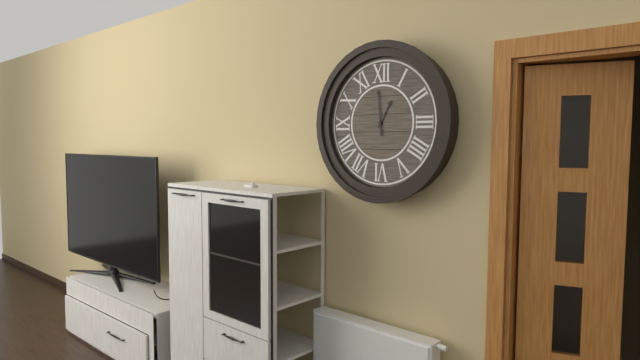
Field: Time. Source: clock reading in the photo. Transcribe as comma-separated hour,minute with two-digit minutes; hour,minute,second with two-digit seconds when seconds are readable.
12,59
